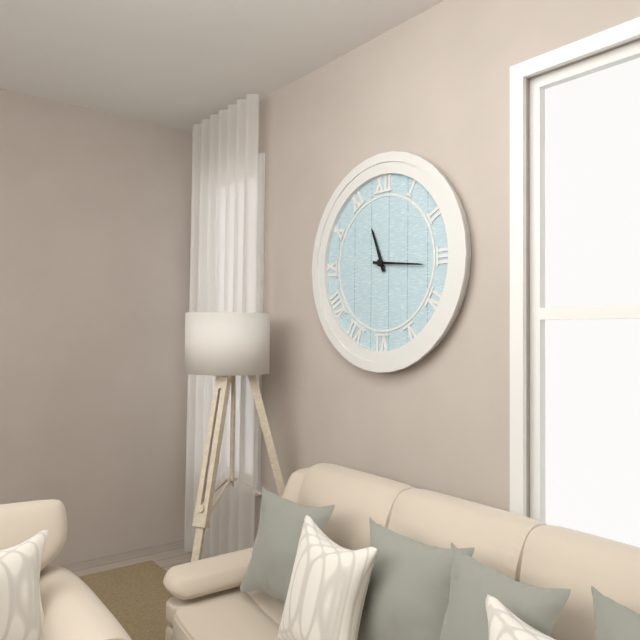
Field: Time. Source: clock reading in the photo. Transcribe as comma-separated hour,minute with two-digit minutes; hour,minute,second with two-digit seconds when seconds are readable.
11,16
